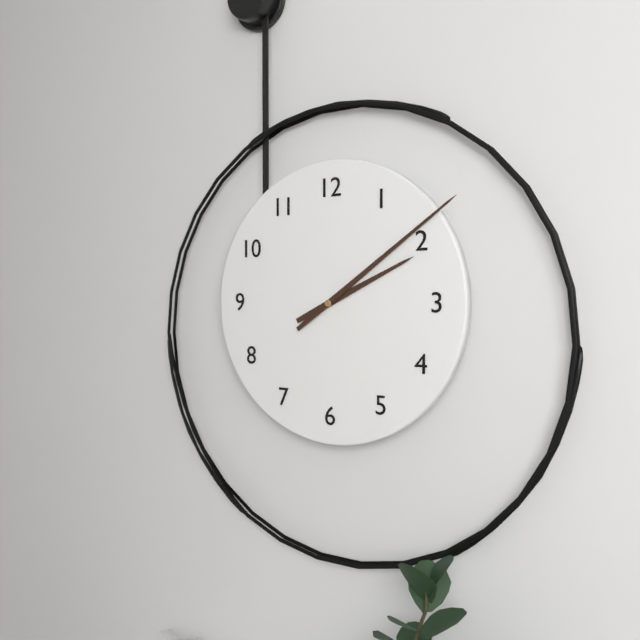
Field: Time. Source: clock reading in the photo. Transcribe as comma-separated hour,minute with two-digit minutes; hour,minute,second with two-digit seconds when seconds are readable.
2,09
